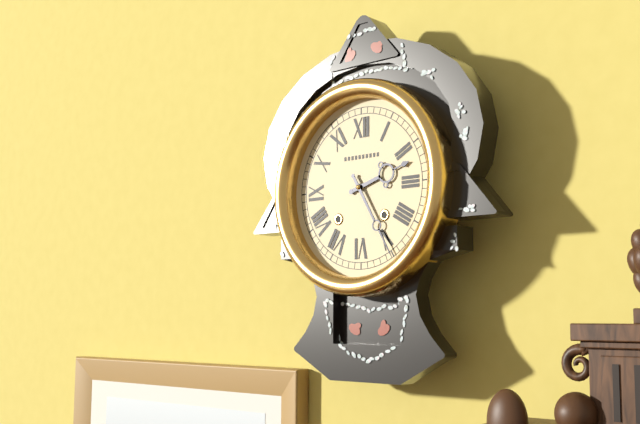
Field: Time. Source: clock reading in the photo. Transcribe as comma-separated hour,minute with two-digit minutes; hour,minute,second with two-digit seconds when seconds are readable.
2,25
